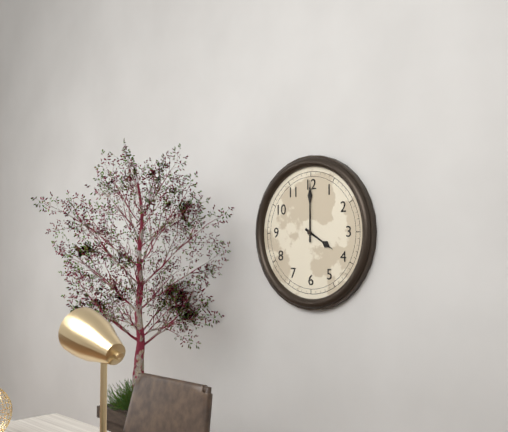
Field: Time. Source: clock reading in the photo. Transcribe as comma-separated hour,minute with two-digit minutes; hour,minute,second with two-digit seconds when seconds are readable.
4,00
